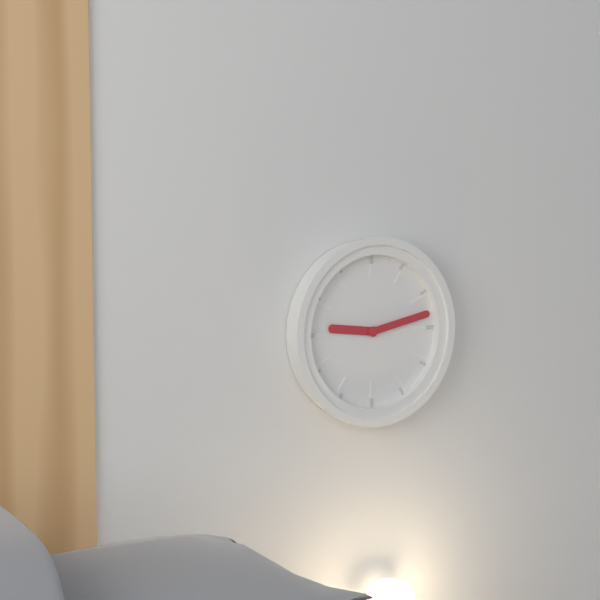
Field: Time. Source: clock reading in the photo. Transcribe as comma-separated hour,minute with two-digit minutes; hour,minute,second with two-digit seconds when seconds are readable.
9,13
